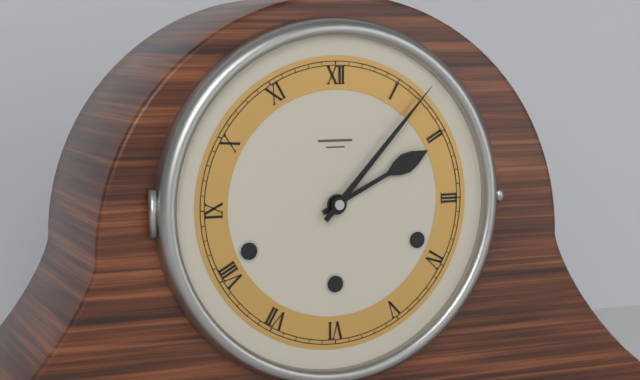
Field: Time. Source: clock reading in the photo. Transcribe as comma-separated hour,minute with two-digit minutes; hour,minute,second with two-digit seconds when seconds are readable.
2,07
